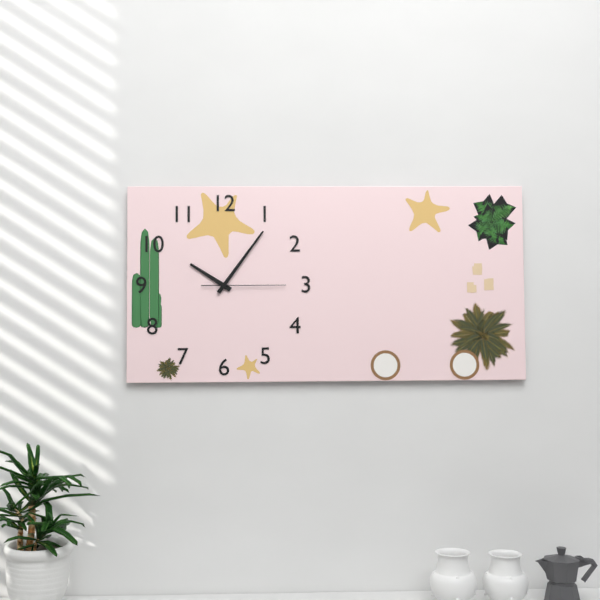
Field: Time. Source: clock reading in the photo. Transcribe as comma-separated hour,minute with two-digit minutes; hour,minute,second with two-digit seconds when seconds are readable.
10,06,15
